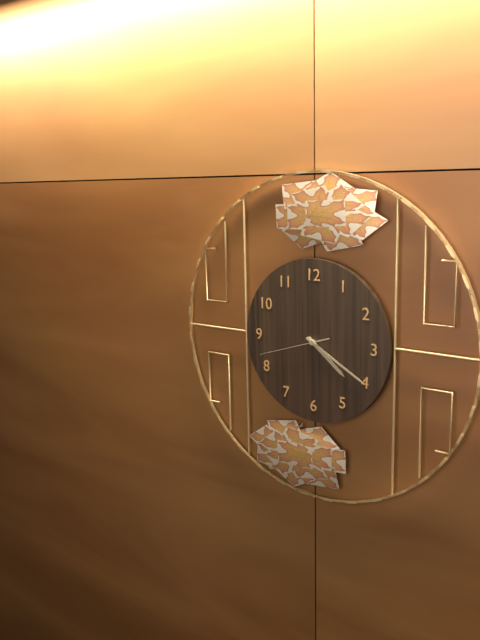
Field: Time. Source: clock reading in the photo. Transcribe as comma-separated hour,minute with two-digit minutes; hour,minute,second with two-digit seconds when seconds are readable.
4,20,42
